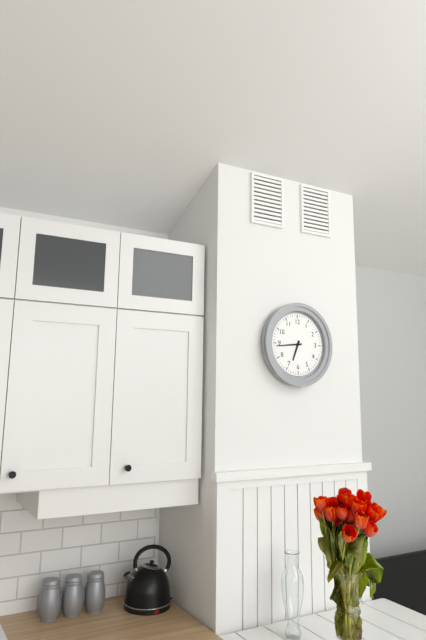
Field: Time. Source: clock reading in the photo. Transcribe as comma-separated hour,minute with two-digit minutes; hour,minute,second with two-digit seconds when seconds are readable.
6,44
